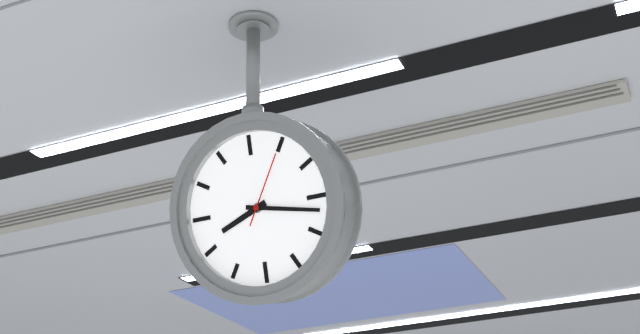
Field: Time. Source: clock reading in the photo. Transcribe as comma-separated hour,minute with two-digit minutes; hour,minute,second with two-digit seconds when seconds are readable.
8,17,05
